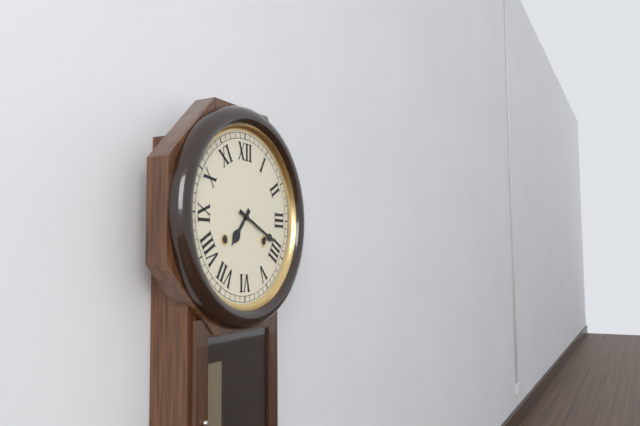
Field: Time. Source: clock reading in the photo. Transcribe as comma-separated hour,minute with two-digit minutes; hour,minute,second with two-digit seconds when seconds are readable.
7,19
